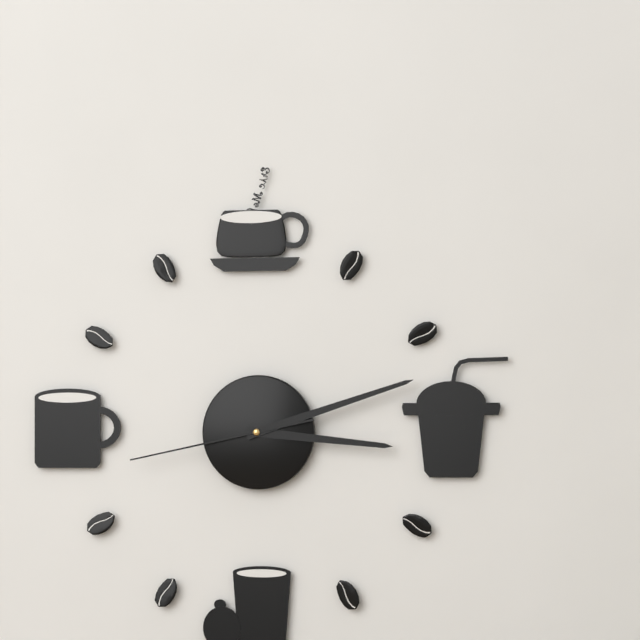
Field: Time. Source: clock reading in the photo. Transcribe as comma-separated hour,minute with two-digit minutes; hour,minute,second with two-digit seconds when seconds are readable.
3,12,43
